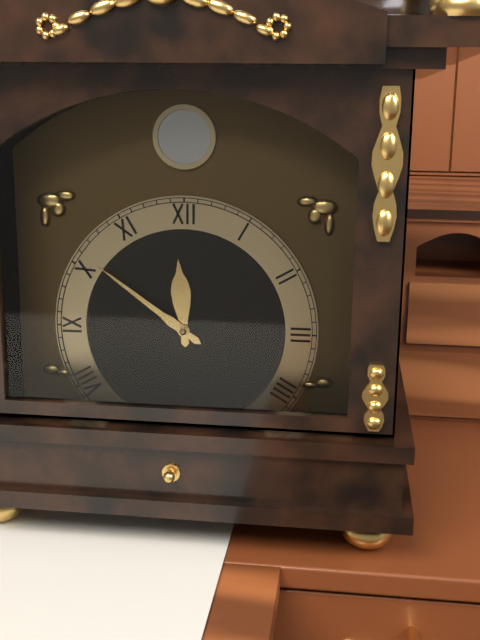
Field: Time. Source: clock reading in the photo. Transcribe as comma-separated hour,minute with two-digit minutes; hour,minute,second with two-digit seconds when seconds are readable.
11,51
